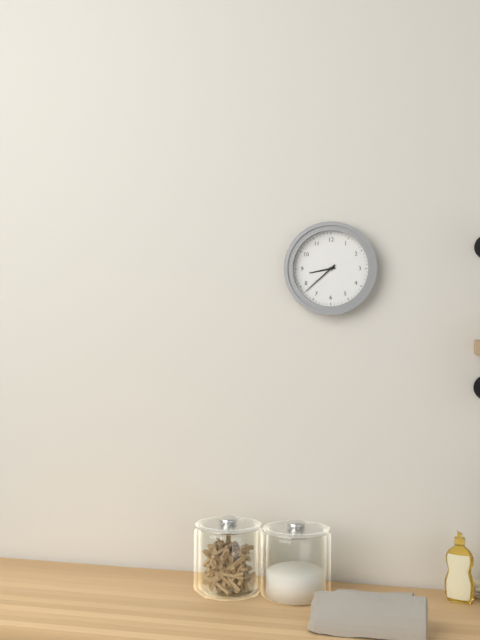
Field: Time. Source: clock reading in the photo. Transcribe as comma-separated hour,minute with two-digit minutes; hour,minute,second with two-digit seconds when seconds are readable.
8,38
